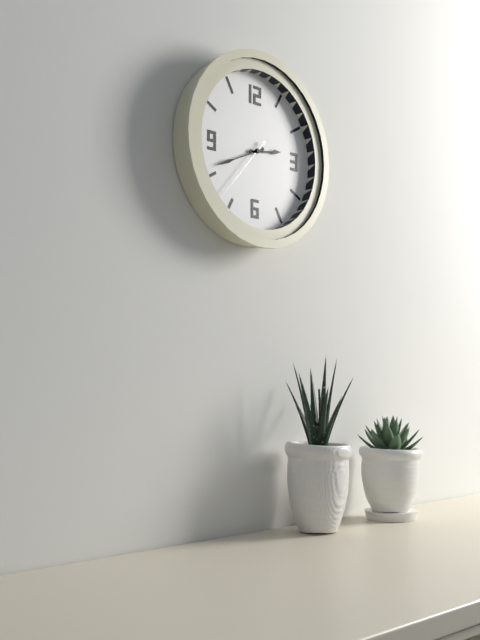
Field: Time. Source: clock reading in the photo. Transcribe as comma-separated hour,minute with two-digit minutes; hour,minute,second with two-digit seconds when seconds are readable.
2,41,37
